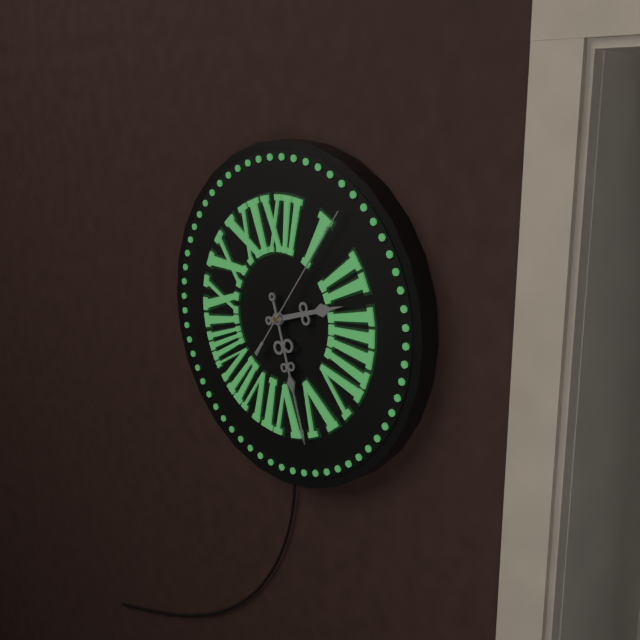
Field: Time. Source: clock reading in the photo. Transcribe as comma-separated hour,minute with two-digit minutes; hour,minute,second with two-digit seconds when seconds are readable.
2,27,06
